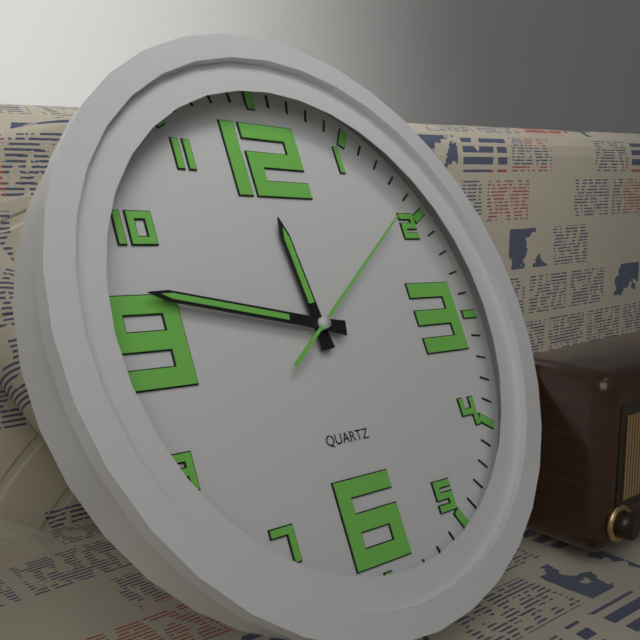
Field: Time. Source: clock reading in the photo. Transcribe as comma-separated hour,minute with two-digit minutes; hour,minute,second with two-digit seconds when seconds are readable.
11,47,09
